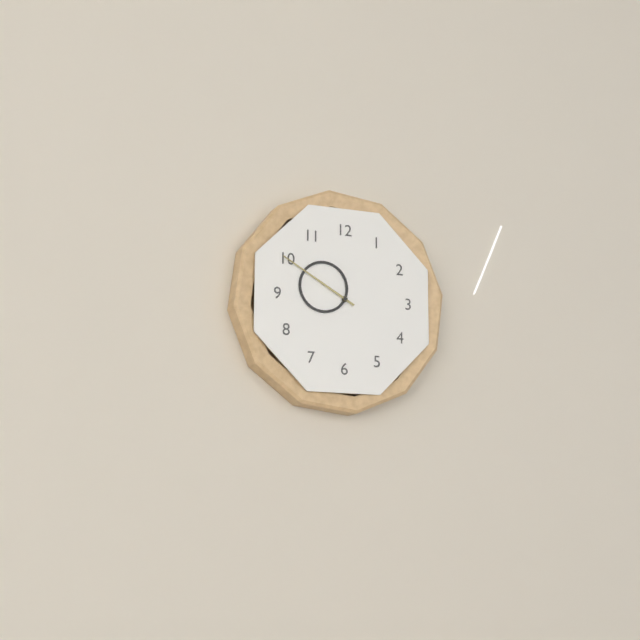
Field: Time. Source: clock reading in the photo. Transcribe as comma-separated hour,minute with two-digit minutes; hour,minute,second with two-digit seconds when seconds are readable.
9,50
